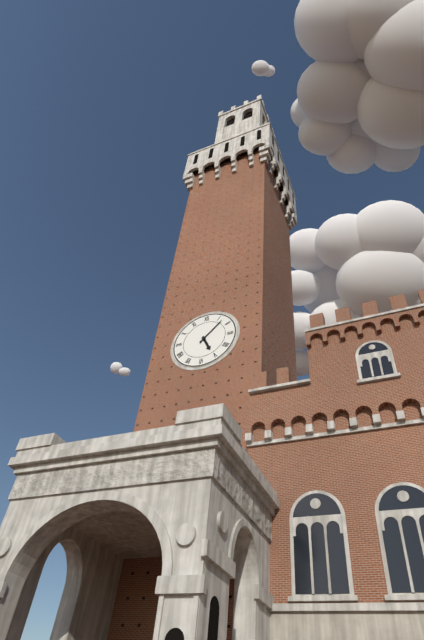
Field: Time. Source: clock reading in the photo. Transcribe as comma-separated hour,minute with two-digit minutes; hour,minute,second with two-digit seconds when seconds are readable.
5,07
